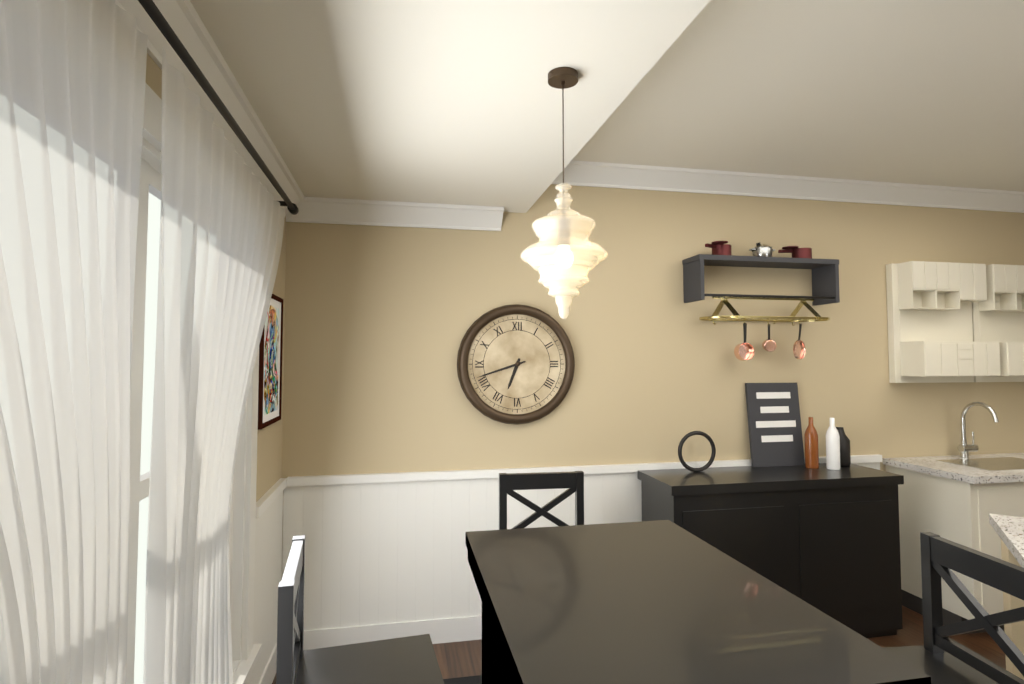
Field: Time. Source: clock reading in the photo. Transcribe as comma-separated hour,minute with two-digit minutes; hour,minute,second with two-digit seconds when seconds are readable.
6,42
